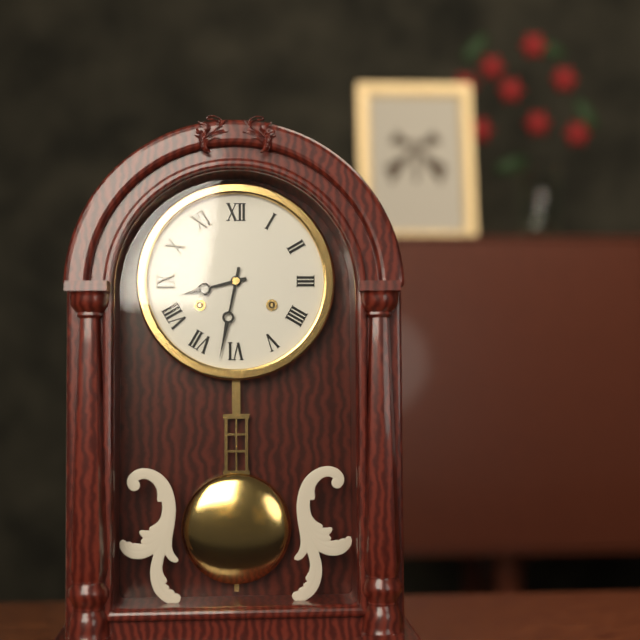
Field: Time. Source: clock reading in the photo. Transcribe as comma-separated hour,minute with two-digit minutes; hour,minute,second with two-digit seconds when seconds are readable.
8,32
